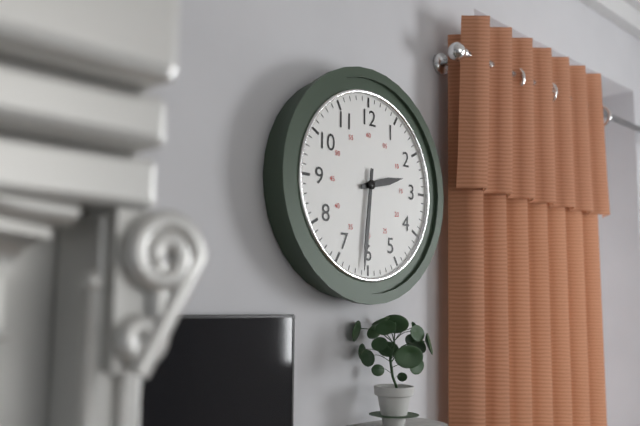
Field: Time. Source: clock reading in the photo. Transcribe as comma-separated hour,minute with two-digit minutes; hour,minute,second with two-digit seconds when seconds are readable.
2,31
